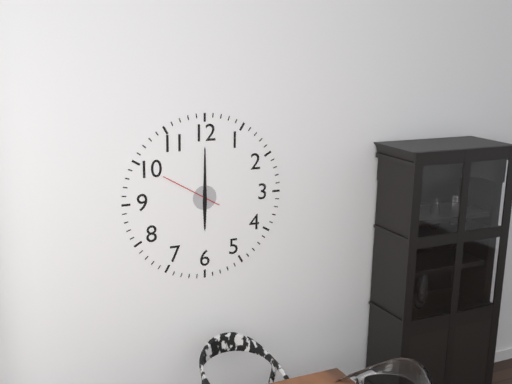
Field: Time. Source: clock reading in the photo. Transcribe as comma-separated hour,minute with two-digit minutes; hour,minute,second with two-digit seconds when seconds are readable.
6,00,50
